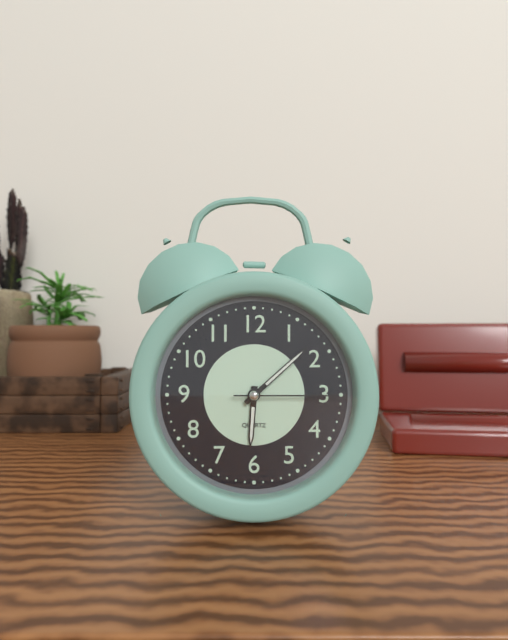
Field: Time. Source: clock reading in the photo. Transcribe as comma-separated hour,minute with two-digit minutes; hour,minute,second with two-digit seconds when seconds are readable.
6,08,15
